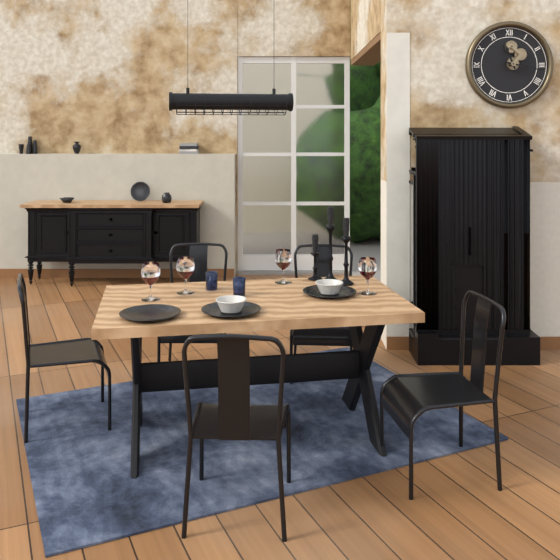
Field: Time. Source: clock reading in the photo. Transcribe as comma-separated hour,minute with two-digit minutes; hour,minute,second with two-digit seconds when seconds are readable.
11,17
